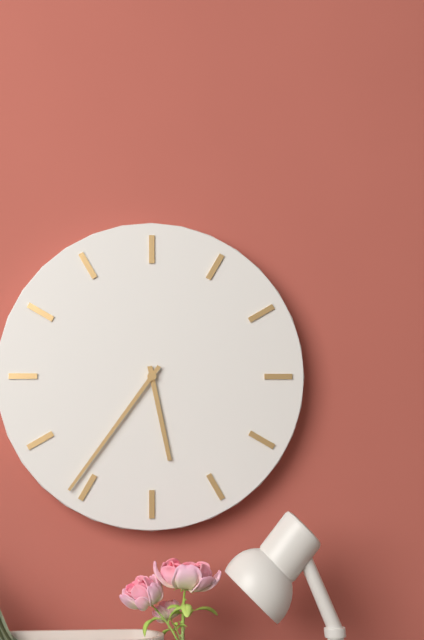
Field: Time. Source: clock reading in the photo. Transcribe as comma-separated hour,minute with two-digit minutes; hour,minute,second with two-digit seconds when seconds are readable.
5,36
